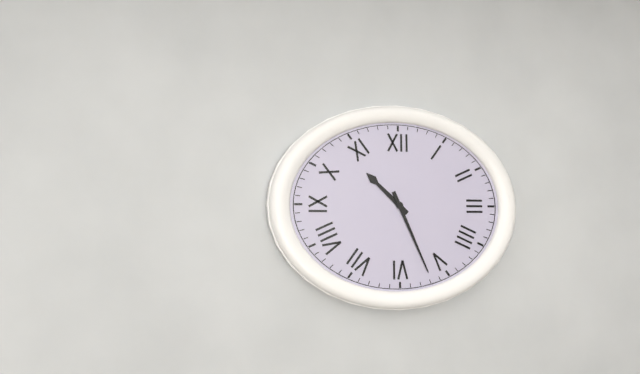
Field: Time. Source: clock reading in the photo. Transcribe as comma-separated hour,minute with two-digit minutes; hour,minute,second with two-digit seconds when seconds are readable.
10,26
